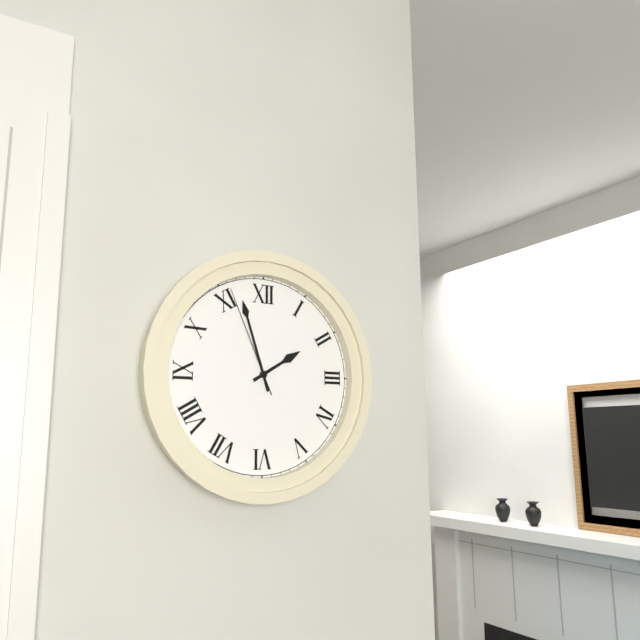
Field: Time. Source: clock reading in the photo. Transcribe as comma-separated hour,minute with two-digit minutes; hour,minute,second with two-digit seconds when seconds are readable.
1,57,56
